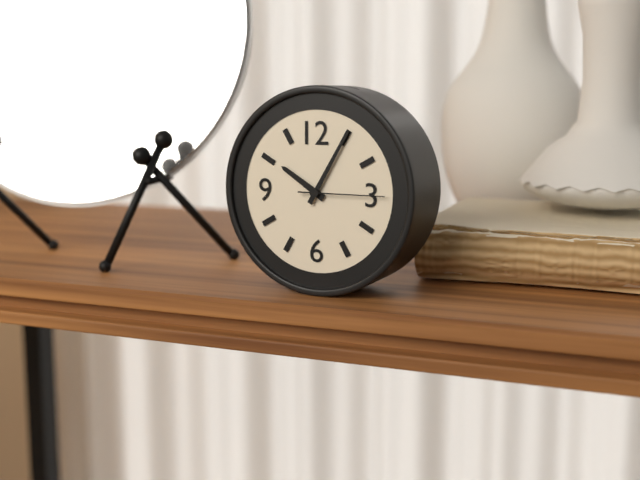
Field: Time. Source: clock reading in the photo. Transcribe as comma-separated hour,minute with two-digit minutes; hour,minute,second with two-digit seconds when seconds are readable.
10,05,15
